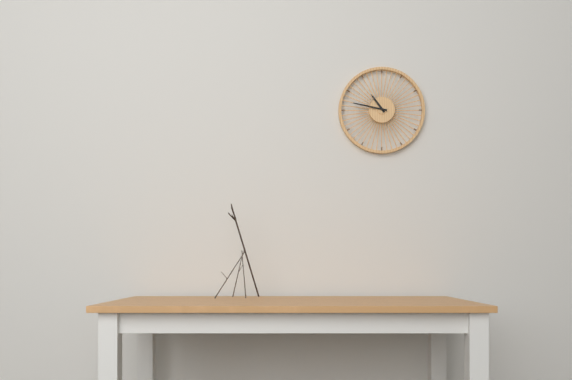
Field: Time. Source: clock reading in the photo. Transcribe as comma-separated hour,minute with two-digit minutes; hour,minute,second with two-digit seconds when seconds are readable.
10,47
